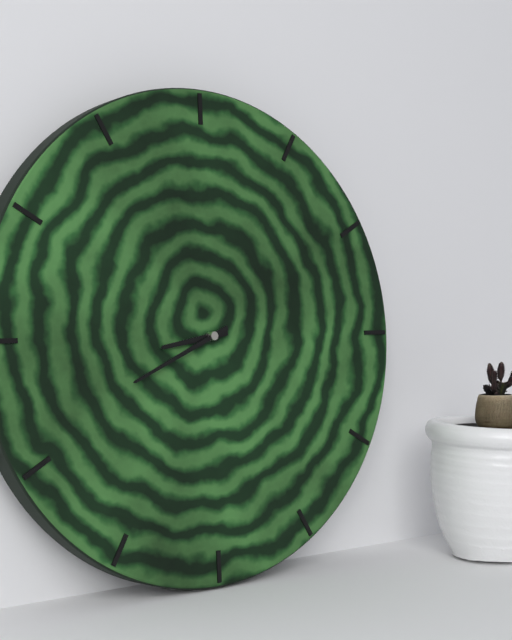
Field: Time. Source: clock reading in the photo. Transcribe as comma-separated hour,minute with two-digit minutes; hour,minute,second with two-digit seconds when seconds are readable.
8,41
